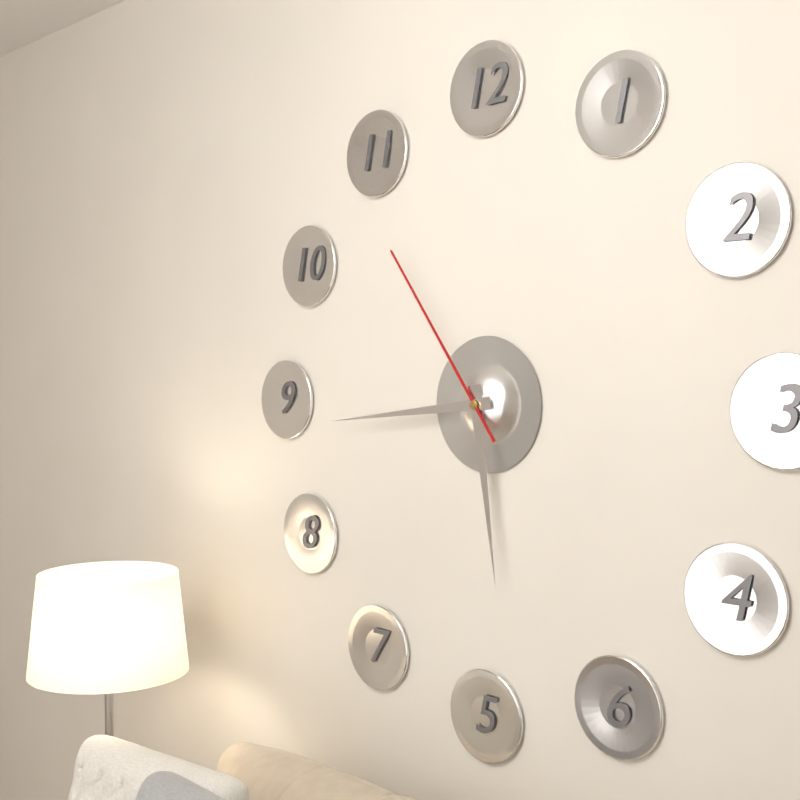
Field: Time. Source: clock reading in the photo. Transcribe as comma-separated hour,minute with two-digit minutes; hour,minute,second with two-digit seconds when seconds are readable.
5,44,54
